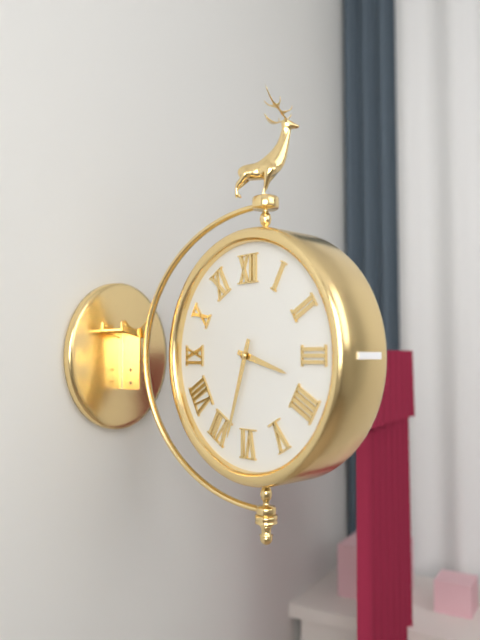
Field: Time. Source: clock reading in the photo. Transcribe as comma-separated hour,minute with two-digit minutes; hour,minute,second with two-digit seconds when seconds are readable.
3,33
